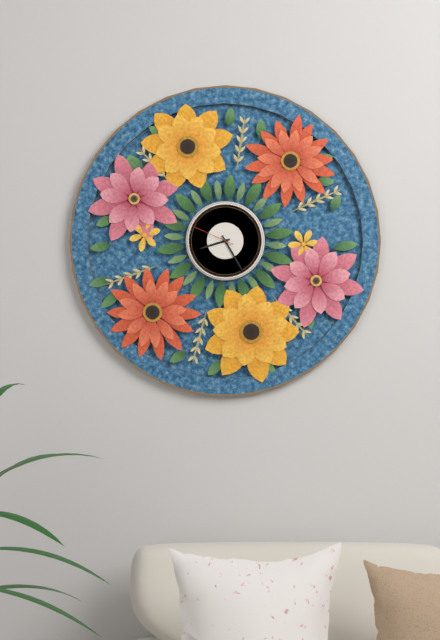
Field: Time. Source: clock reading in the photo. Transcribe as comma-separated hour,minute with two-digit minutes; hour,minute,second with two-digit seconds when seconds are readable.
8,25
